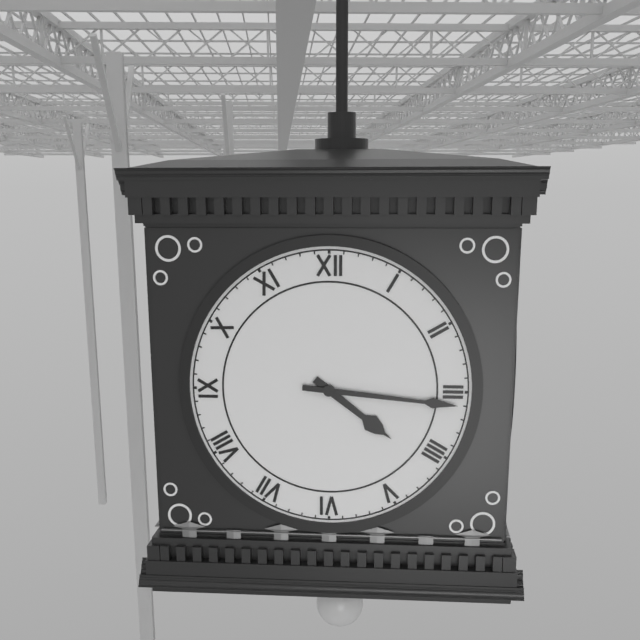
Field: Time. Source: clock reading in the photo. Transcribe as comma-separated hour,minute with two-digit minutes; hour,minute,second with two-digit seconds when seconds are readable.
4,16
